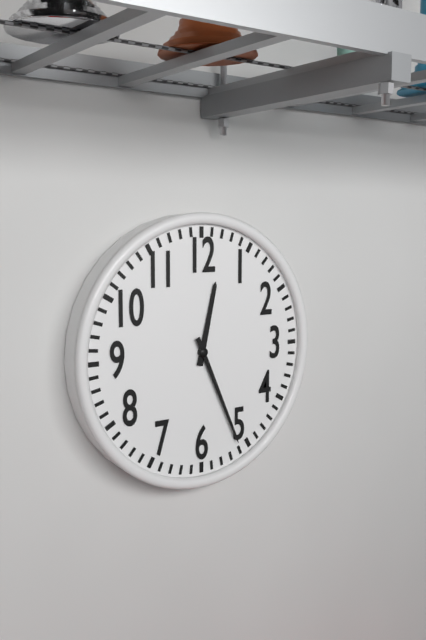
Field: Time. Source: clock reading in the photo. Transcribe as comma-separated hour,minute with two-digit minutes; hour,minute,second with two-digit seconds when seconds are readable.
12,26
